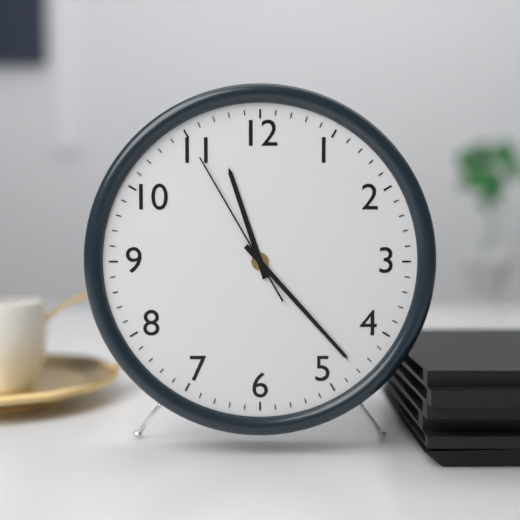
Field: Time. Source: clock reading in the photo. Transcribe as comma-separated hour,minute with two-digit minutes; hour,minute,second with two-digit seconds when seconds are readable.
11,23,55
